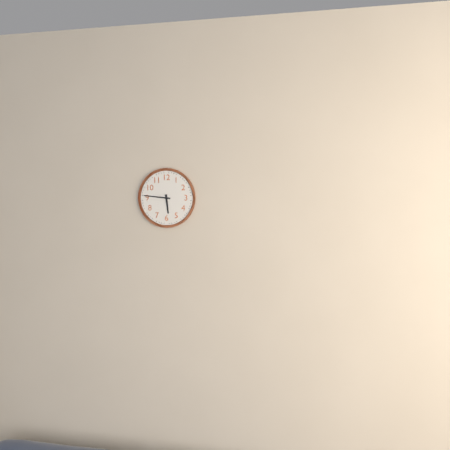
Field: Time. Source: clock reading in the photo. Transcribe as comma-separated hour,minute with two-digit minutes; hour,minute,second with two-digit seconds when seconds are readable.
5,46
